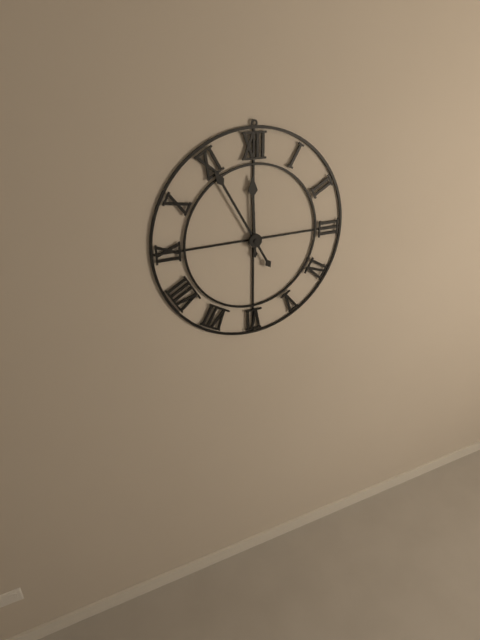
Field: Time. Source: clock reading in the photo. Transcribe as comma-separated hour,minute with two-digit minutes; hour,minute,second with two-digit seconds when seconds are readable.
11,55
